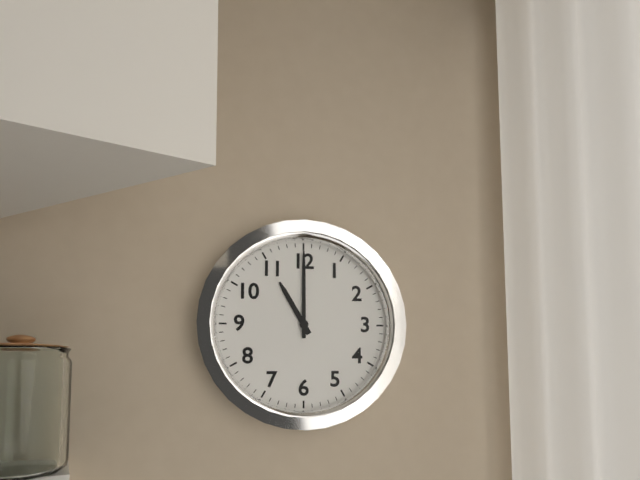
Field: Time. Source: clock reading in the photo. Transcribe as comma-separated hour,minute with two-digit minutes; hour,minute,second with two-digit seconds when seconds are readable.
11,00
